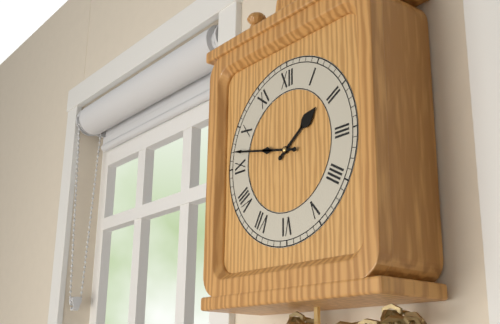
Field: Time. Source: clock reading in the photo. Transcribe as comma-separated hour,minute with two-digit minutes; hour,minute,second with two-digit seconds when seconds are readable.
1,47
